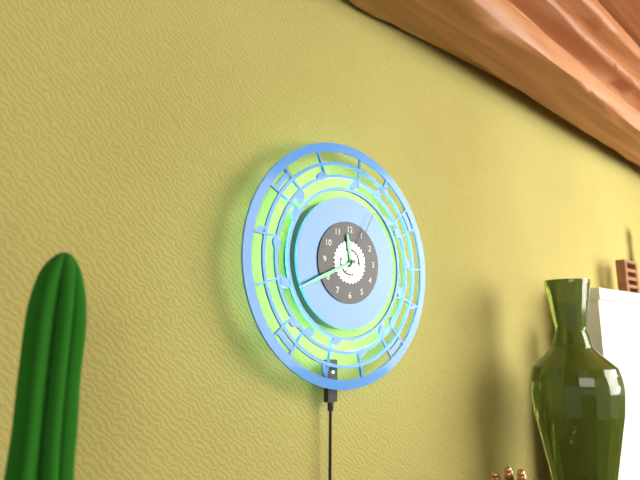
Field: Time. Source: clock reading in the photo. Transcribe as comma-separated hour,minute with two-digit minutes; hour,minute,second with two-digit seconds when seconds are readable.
11,41,05
